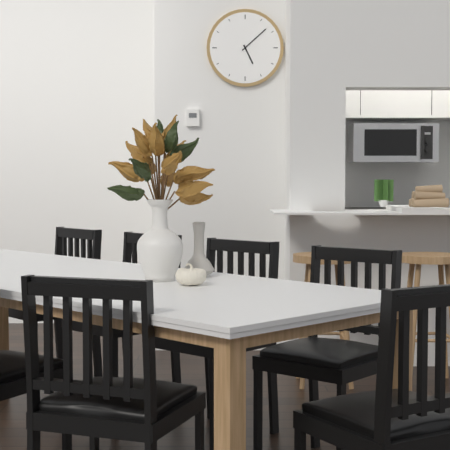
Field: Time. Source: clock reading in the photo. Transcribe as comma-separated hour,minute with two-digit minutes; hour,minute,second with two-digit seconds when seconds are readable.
5,08
